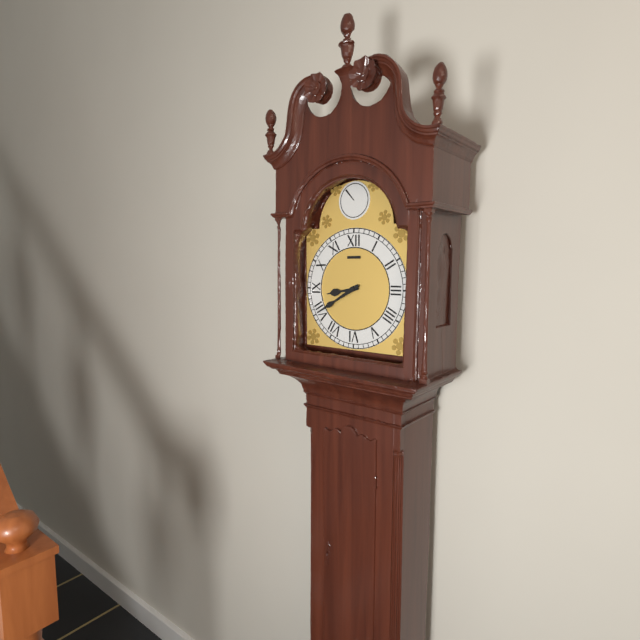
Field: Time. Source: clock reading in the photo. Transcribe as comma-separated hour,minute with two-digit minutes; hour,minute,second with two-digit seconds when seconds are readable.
8,40
